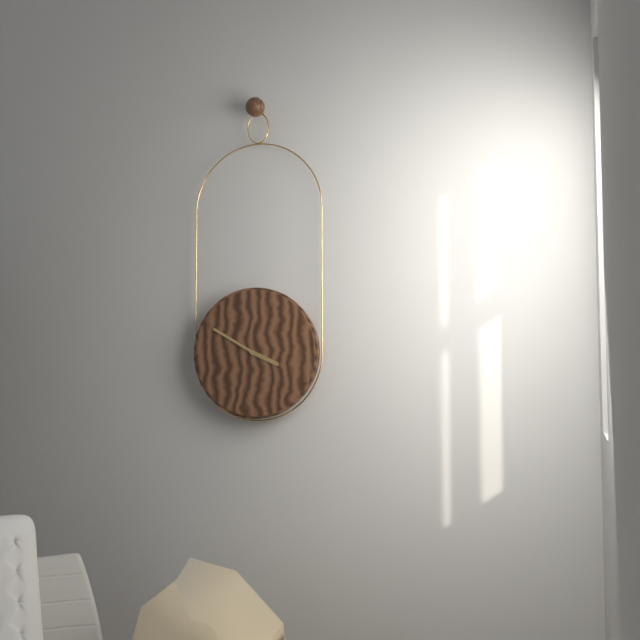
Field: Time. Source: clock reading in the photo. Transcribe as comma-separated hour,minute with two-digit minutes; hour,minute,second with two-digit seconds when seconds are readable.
3,50
